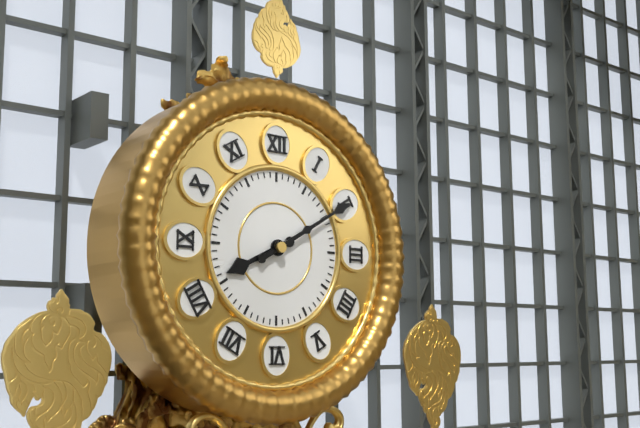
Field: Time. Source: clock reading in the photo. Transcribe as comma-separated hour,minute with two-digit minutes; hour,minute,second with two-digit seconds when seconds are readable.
8,10
